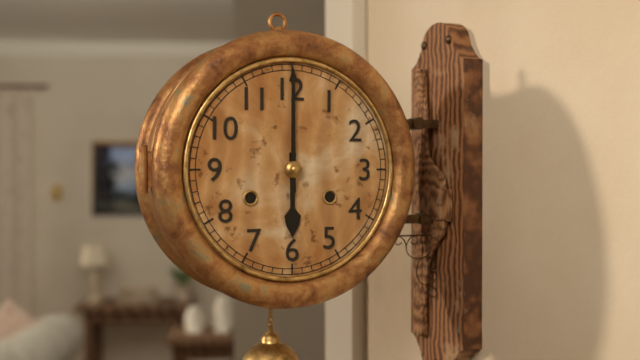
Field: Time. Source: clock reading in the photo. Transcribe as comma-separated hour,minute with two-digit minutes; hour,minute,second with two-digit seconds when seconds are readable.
6,00
